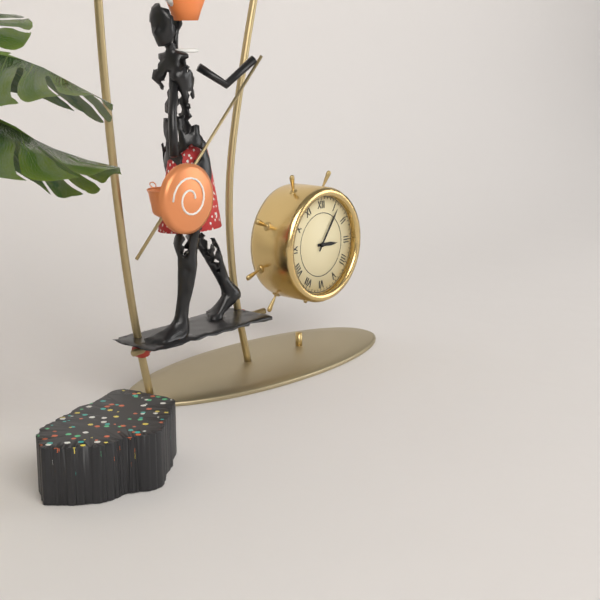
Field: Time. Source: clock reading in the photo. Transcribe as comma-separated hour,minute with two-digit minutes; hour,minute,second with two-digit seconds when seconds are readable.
3,06
